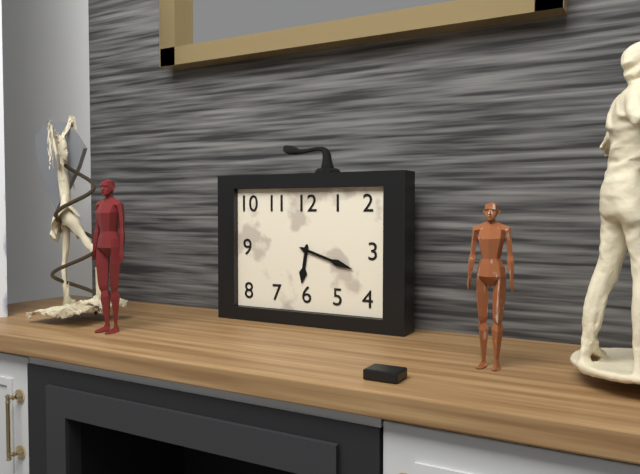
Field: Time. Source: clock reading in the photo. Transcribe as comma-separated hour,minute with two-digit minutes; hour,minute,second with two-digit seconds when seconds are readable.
6,18
